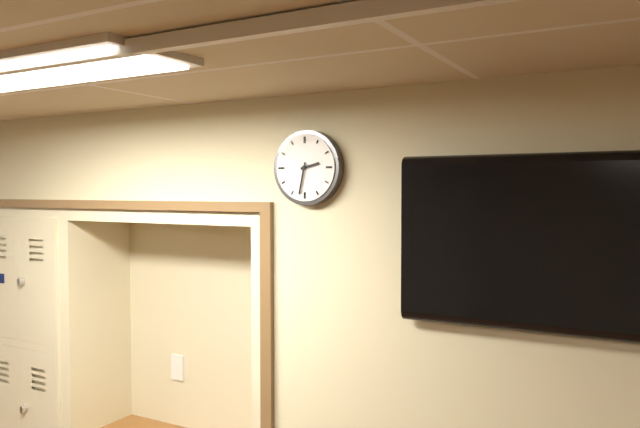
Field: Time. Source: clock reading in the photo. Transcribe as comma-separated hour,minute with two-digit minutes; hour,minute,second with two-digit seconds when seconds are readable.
2,32
